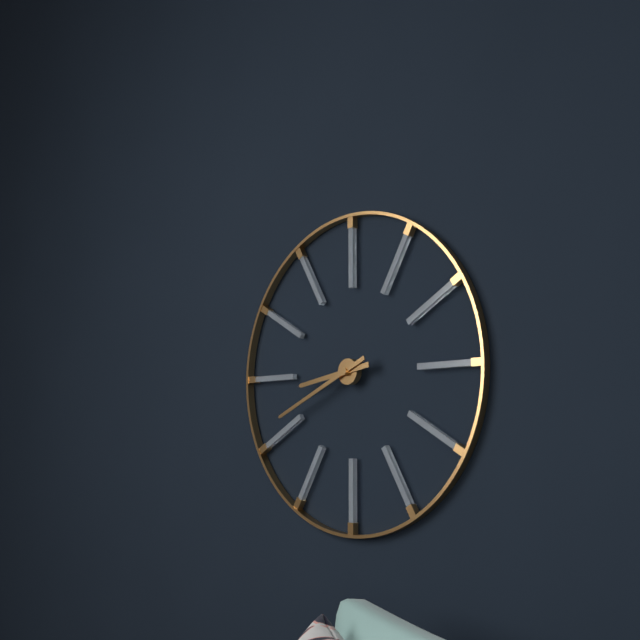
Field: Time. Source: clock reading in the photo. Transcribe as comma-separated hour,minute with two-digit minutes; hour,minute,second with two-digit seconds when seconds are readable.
8,41
